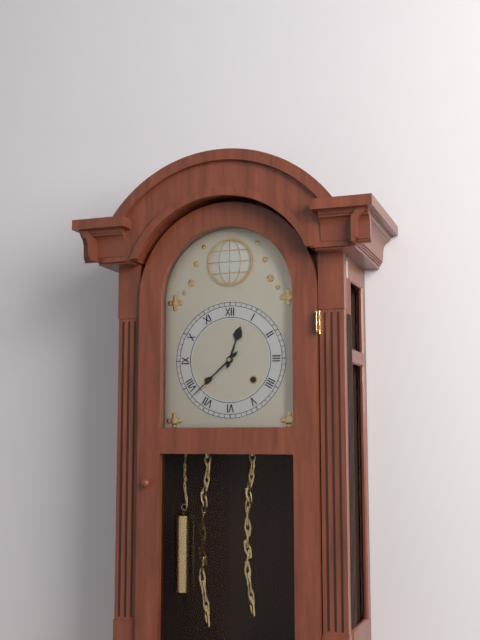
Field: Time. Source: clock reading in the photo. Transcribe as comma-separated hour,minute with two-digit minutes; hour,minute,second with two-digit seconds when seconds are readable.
12,38
